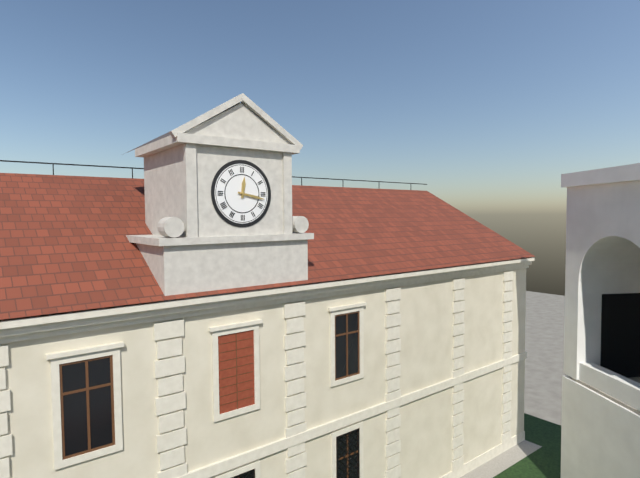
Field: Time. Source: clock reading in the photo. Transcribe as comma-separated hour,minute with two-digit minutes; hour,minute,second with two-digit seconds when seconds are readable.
12,17
